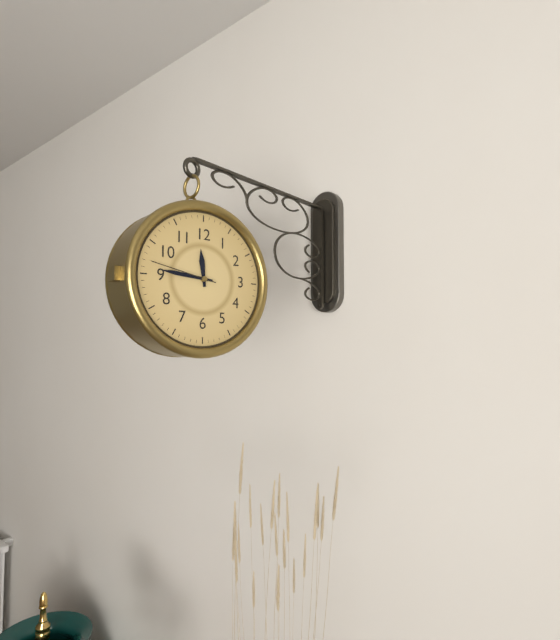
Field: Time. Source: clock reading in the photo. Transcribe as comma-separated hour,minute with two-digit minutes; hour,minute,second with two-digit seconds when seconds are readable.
11,46,47
